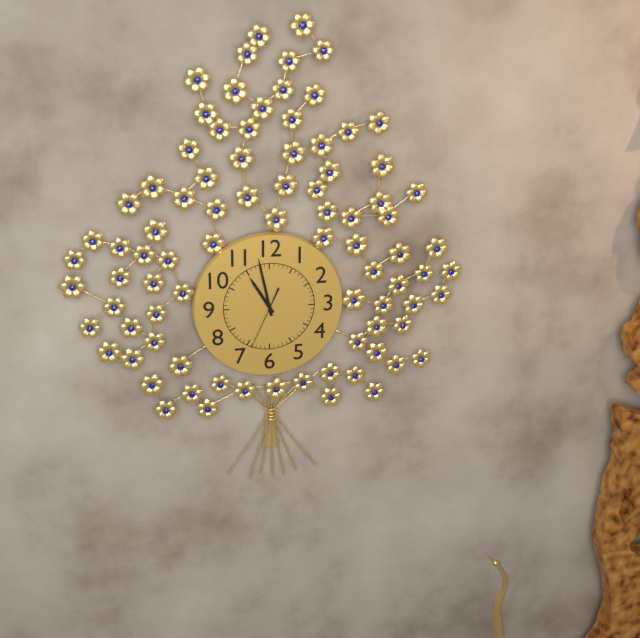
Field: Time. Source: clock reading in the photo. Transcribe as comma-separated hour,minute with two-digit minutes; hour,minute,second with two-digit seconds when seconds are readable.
10,58,34
